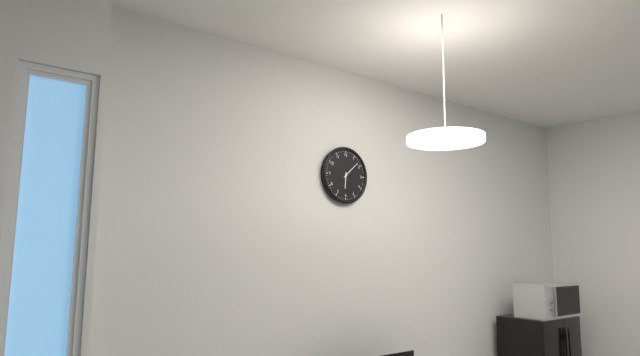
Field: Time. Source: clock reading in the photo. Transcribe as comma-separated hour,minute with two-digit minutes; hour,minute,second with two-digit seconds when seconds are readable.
6,08
